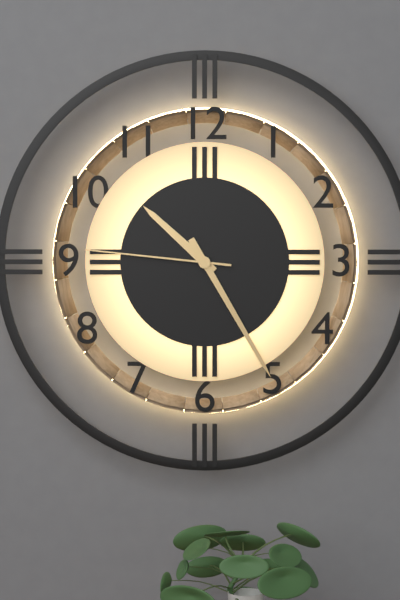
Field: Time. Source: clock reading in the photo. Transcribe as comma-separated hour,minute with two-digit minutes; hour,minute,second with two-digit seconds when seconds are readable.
10,25,46
